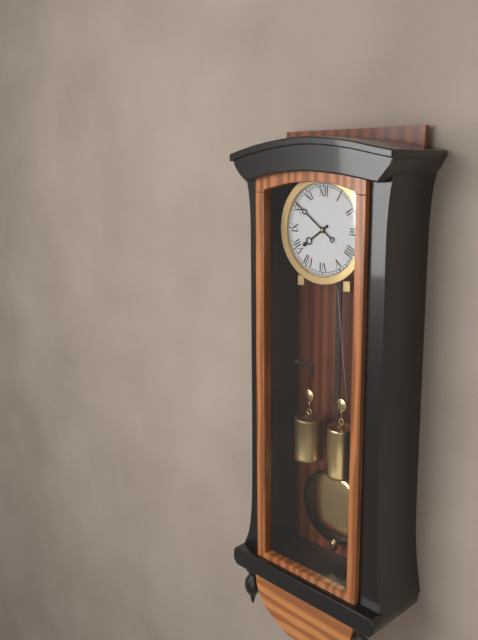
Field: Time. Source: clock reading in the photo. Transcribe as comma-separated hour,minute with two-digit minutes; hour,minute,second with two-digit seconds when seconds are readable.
7,51
